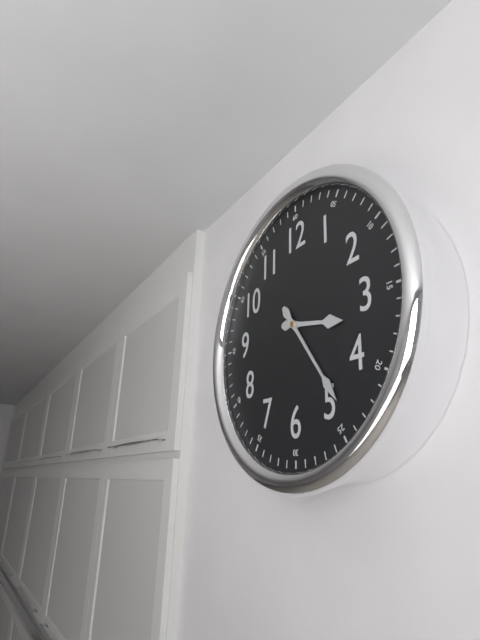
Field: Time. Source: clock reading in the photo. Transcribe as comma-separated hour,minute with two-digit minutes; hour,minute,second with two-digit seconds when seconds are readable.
3,24
